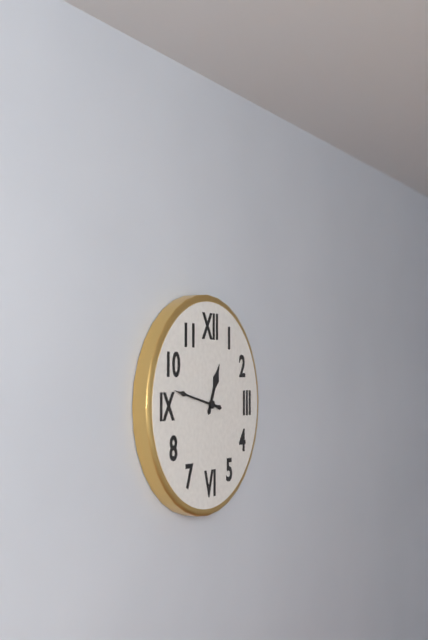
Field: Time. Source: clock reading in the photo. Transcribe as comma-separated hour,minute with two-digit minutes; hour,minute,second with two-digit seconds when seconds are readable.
12,47
